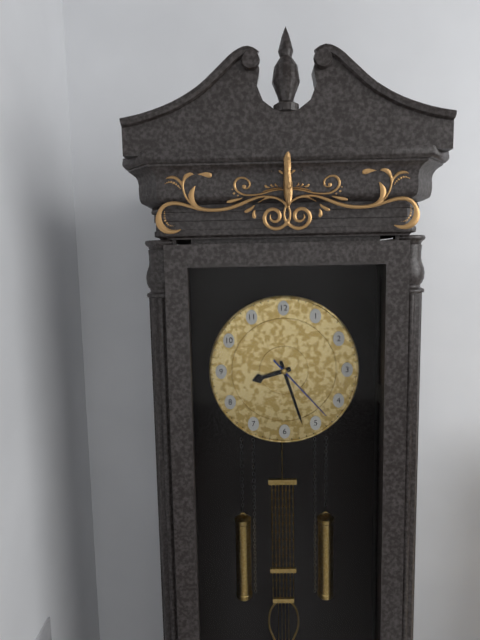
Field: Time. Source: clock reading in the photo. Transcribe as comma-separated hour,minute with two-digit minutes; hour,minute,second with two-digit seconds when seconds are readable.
8,27,23
